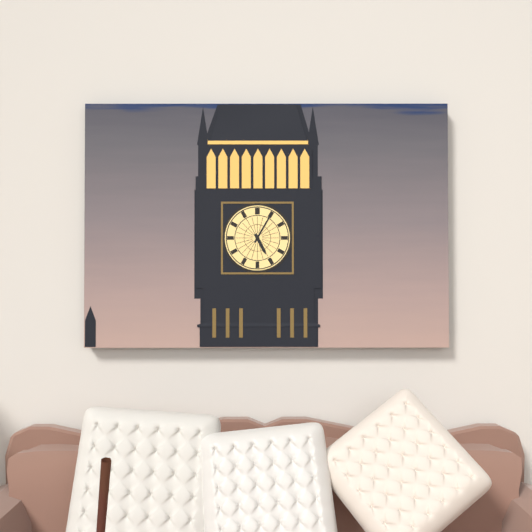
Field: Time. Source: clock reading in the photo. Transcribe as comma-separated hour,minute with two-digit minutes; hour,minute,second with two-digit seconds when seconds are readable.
5,05
